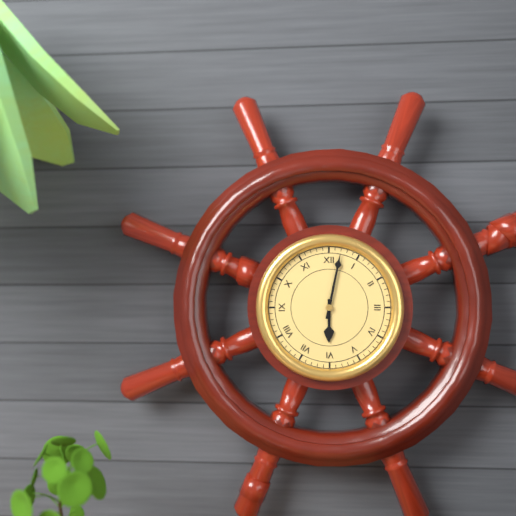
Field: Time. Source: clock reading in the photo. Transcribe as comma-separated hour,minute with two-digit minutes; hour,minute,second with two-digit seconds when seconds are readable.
6,02
